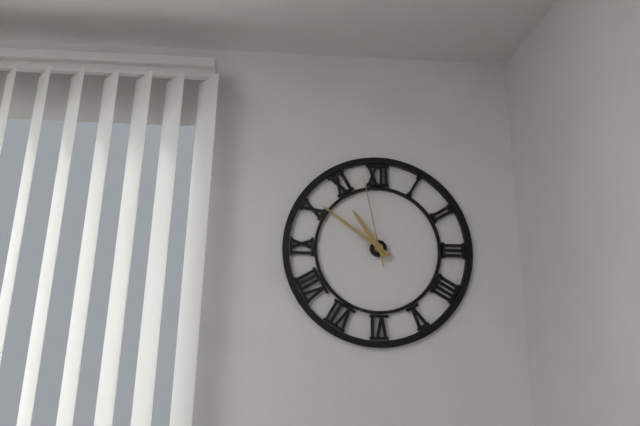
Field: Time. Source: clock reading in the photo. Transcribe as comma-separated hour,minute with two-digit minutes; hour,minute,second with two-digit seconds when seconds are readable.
10,51,58
